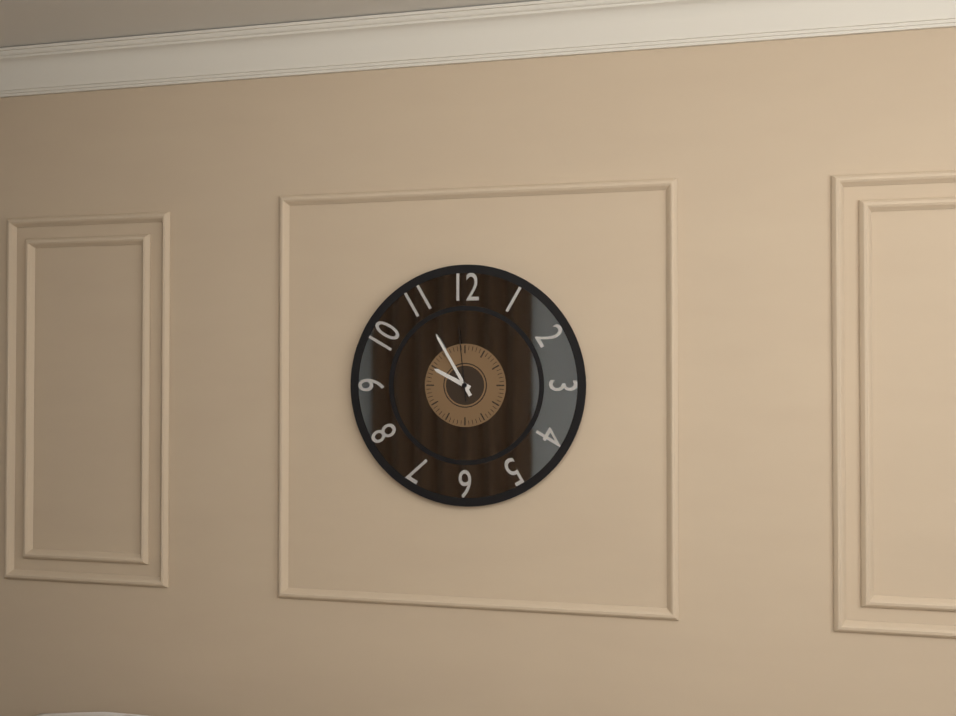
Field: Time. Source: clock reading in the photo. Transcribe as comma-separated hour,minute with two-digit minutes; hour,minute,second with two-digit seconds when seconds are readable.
9,55,59
